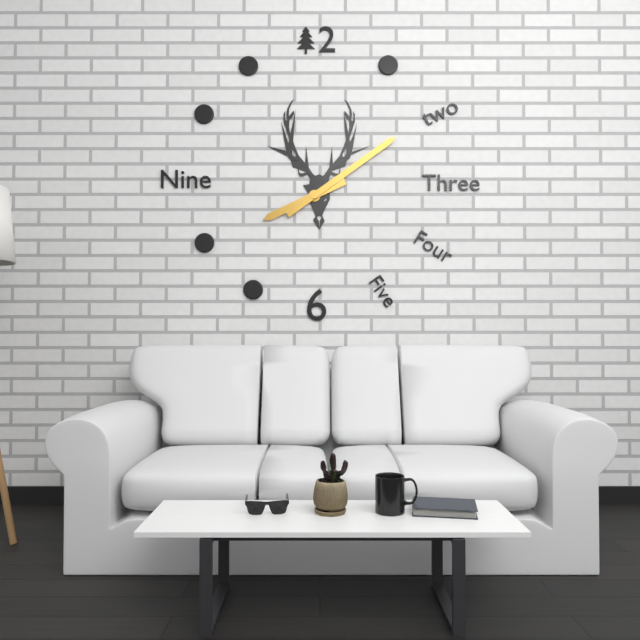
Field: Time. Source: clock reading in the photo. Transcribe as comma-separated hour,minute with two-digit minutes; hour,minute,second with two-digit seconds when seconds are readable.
8,09
